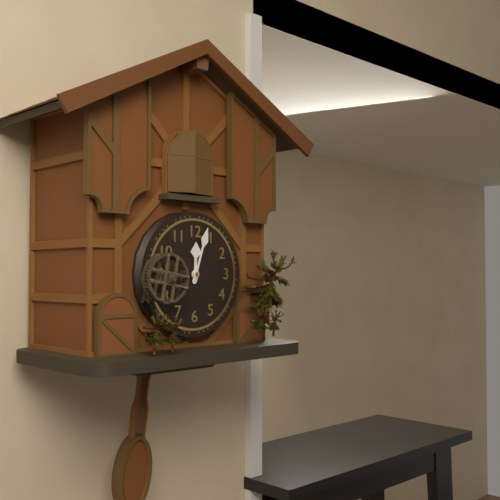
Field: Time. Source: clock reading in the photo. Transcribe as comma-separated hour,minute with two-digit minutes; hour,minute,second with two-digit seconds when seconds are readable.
12,03
